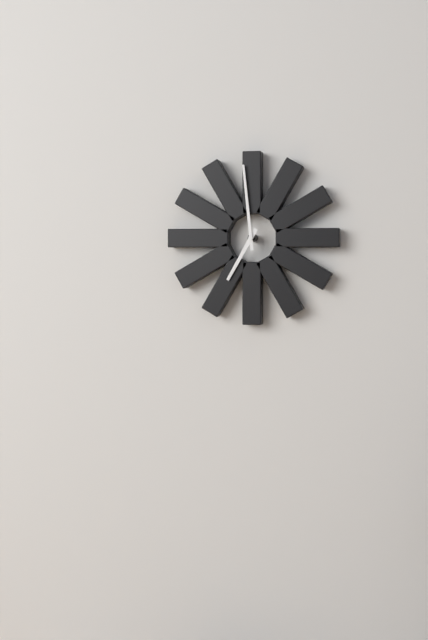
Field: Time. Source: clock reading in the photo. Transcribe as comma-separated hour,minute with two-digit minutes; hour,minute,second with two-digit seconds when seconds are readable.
6,59
